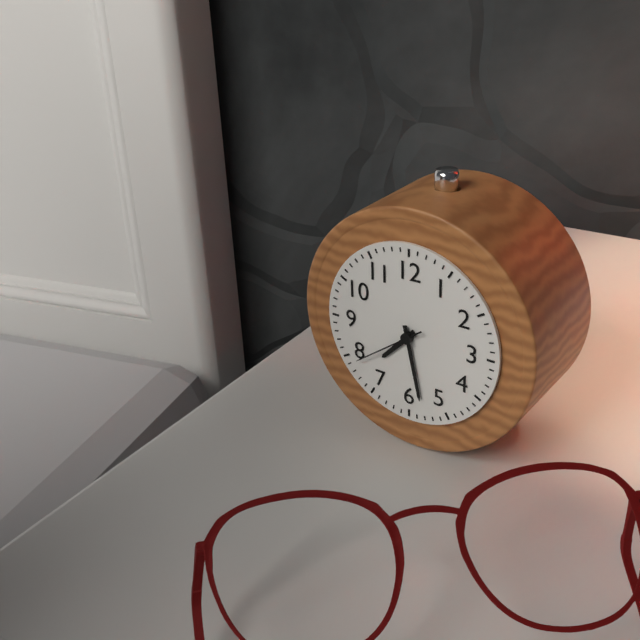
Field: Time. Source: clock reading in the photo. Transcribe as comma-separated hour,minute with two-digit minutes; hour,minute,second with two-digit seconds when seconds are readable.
7,28,39
